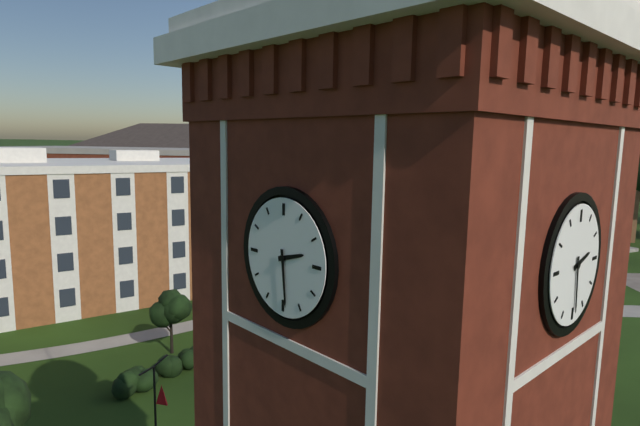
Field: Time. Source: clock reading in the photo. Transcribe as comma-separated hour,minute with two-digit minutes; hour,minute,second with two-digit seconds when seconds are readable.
2,29
